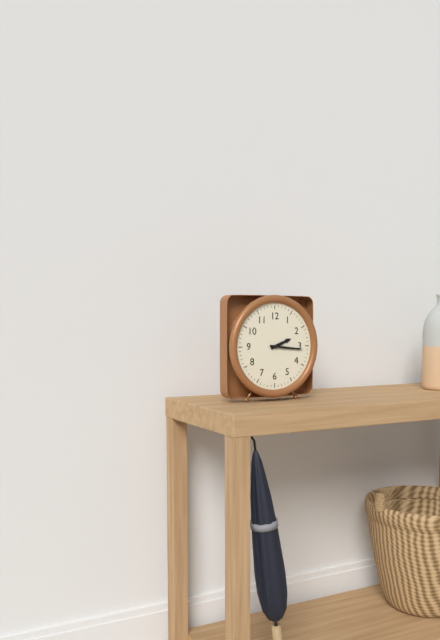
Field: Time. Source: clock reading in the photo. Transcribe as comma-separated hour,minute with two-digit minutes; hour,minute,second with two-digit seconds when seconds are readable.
2,16
